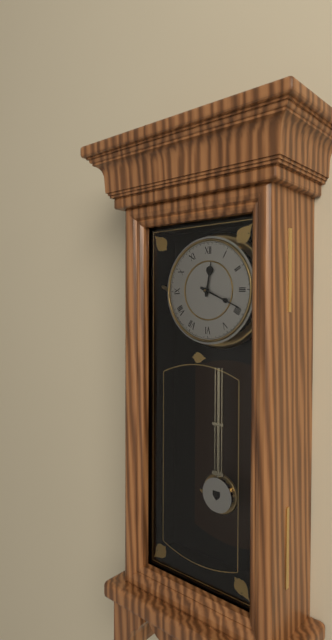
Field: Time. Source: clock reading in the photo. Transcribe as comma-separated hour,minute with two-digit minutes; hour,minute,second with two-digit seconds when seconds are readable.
12,19
